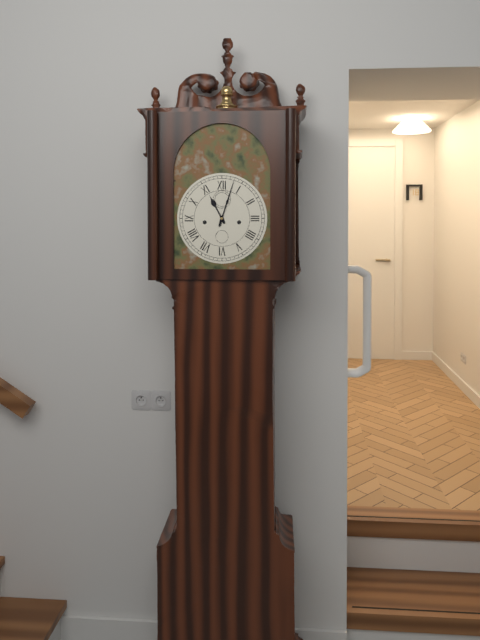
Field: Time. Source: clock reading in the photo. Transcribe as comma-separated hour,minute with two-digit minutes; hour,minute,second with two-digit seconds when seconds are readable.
11,03
